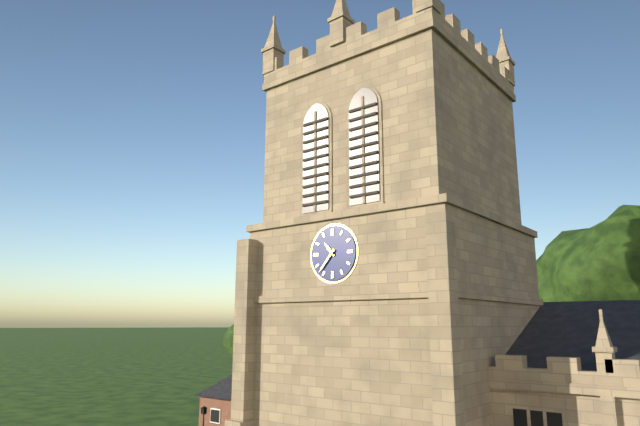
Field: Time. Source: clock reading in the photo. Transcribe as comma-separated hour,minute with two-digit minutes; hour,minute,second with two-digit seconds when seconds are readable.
10,37
